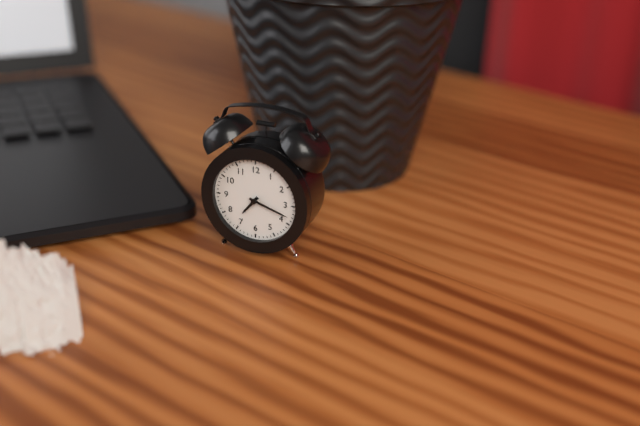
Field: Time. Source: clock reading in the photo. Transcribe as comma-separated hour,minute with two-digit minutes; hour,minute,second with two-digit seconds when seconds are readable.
7,18
